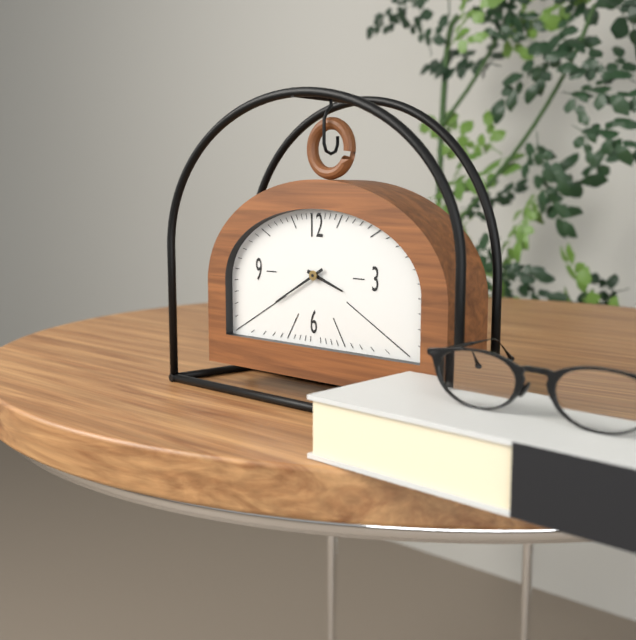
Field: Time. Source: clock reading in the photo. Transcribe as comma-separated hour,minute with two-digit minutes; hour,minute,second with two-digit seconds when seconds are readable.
3,40
